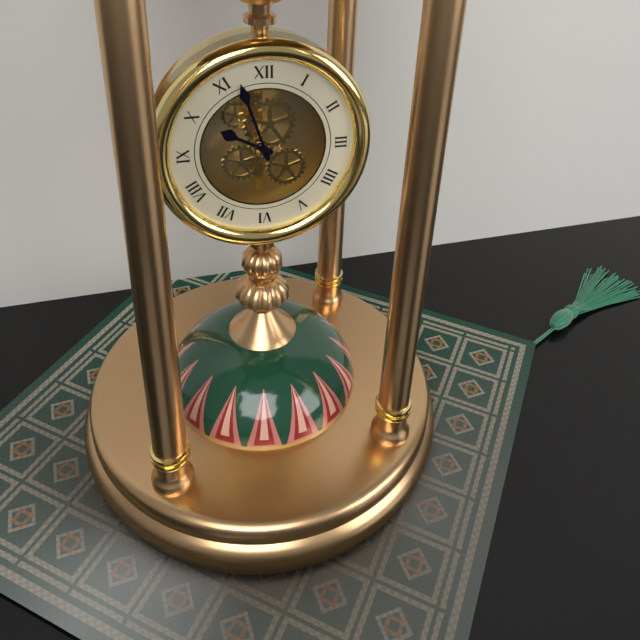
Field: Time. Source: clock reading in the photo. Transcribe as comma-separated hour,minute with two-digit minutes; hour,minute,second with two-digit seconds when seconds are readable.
9,57
